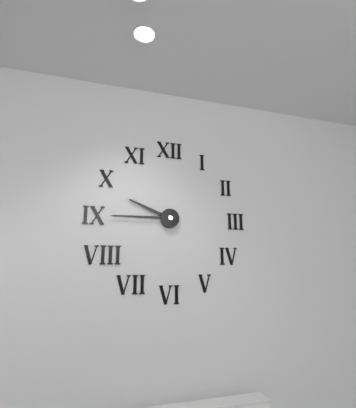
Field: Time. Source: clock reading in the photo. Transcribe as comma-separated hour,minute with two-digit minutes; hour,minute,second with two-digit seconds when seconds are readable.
9,45
